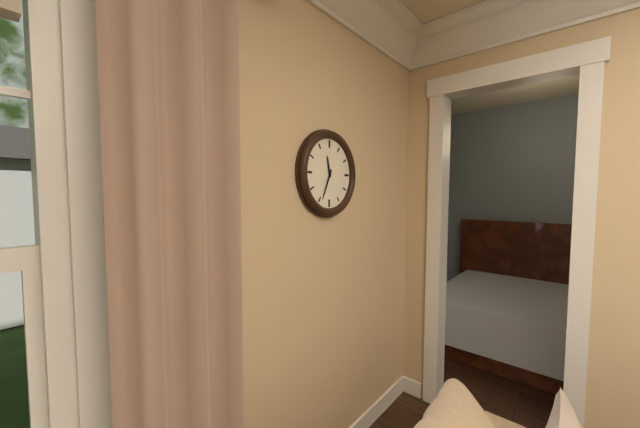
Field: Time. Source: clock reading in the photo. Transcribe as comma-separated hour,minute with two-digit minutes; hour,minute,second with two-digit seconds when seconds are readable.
11,34
